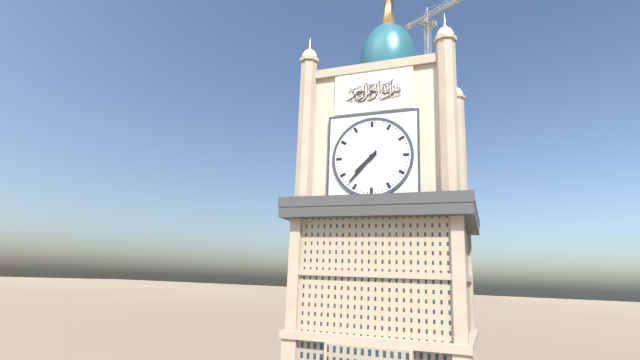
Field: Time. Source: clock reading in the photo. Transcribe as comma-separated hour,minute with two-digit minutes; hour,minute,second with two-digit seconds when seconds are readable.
7,37
